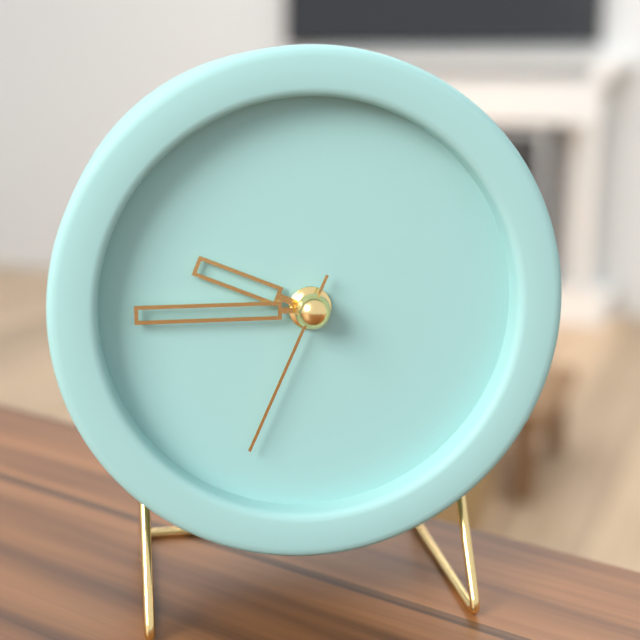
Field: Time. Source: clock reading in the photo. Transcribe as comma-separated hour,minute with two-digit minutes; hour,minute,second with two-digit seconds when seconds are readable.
9,45,34
